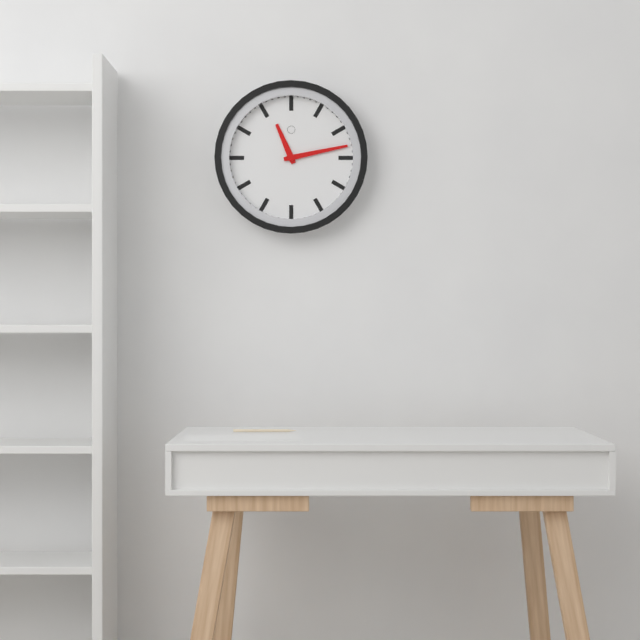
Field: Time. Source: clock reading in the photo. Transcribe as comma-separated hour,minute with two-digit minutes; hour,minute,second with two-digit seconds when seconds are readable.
11,13
